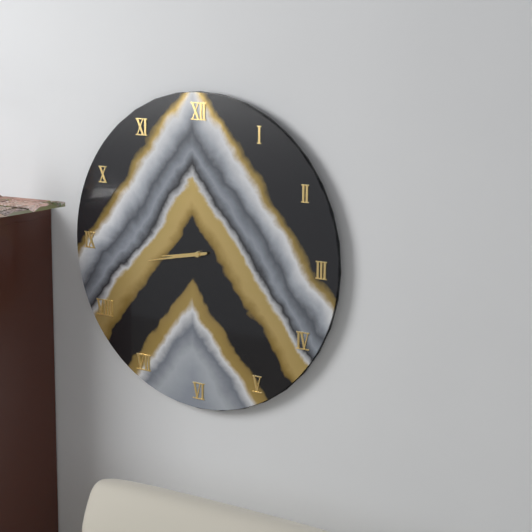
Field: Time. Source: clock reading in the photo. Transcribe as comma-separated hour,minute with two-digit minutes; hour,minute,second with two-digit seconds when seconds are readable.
8,43
